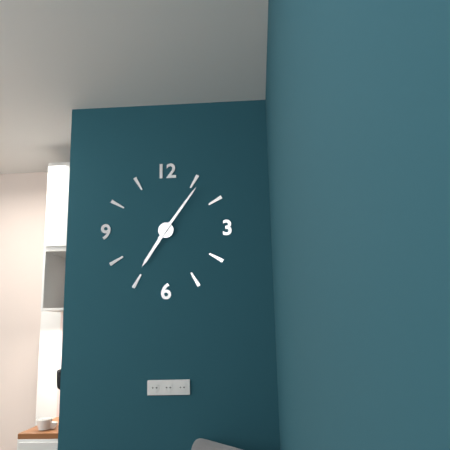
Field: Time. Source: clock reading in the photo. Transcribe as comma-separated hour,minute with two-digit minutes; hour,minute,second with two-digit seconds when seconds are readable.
7,06
